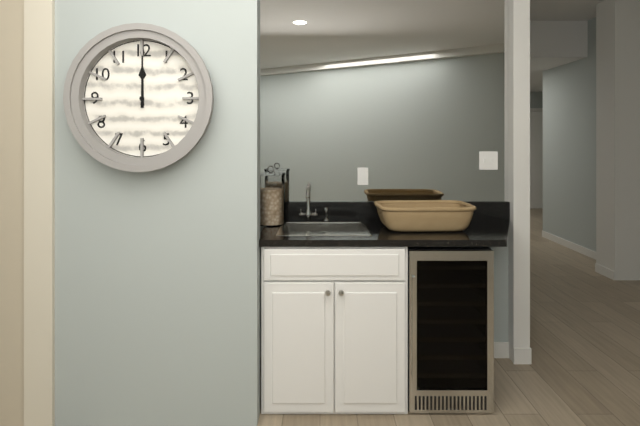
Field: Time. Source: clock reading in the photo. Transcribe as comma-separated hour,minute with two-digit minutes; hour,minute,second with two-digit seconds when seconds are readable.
12,00
